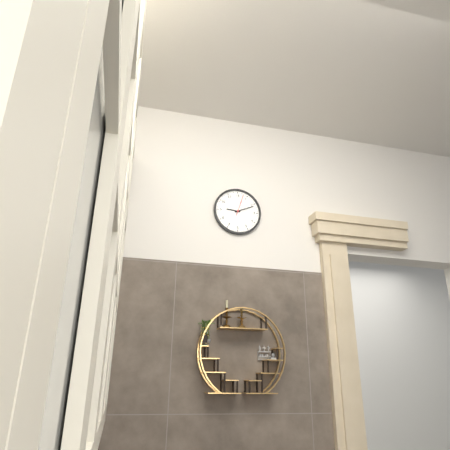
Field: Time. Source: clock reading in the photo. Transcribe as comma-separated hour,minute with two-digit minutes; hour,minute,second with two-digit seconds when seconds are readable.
9,11
